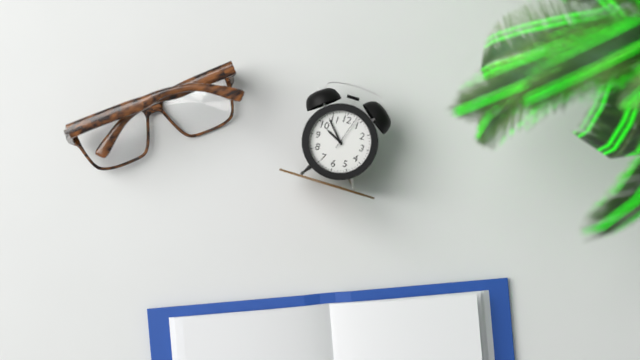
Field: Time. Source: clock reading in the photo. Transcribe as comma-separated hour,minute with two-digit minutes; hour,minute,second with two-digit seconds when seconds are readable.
9,53
